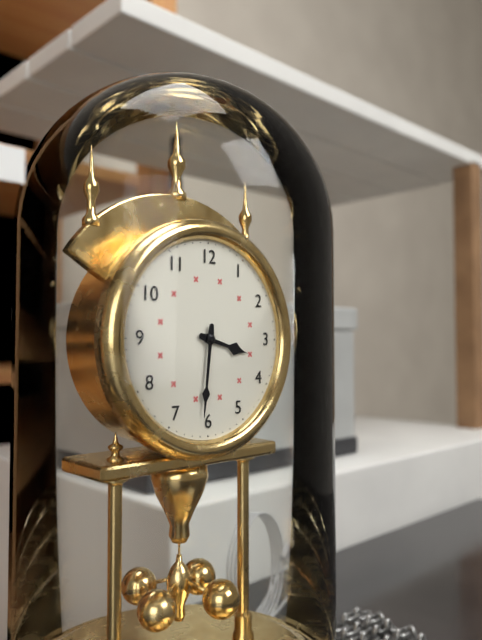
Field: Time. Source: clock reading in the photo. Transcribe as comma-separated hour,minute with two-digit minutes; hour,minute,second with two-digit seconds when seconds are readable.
3,31
